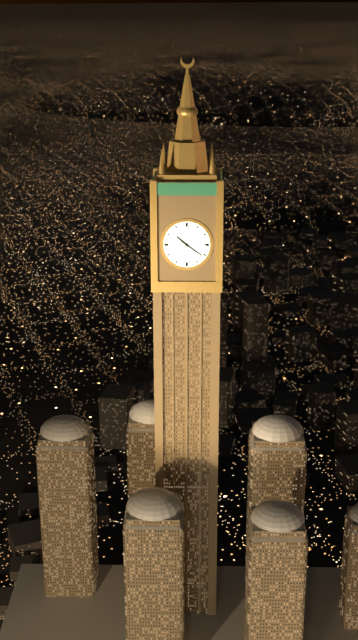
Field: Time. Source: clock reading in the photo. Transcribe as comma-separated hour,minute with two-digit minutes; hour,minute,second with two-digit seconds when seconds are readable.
10,21
